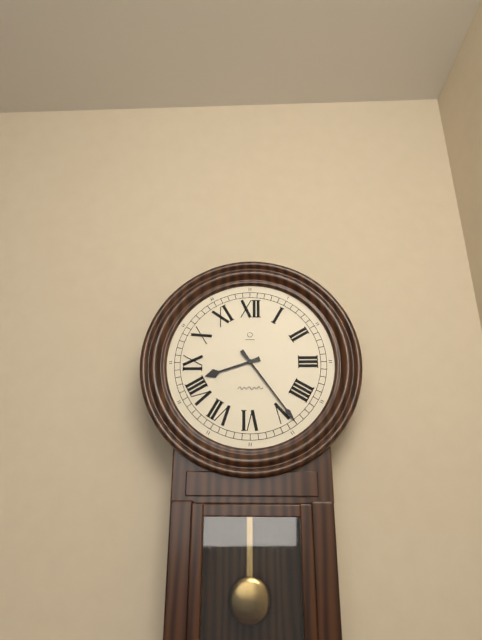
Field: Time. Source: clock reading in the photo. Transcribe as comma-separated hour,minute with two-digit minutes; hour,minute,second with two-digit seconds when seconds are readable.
8,24
